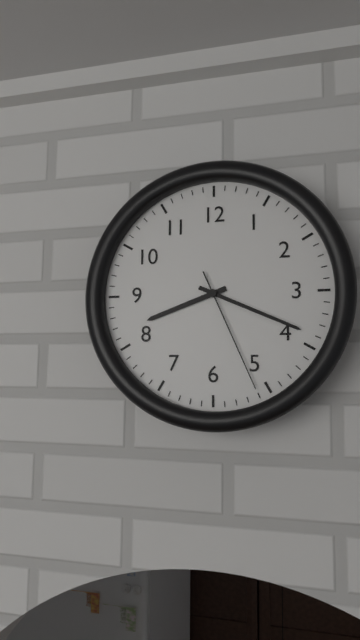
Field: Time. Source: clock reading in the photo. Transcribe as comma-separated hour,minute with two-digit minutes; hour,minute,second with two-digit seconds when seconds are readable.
8,19,26
